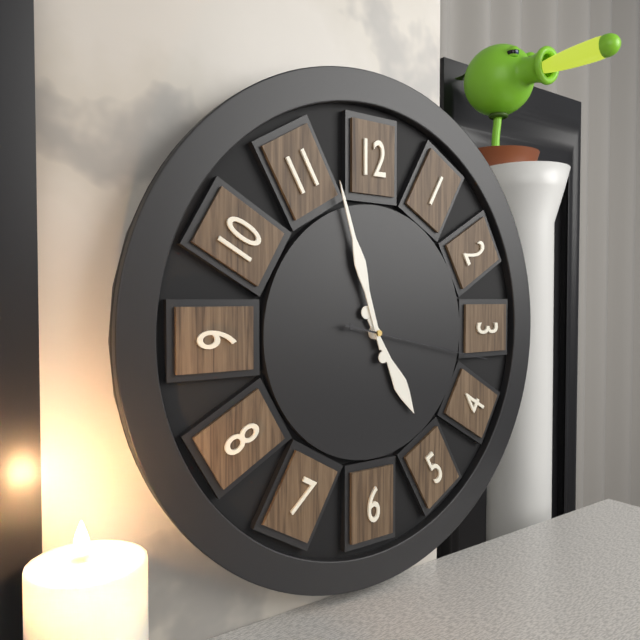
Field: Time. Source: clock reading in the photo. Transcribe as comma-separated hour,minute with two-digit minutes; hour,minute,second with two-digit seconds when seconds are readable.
4,57,17
